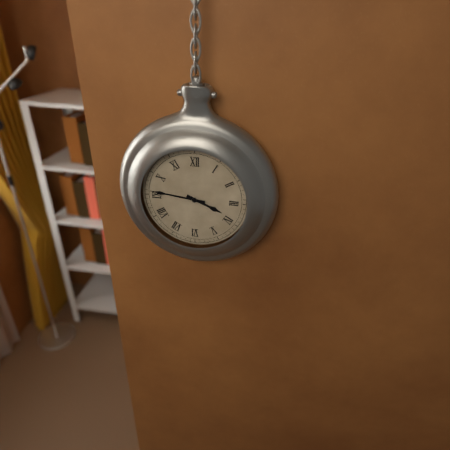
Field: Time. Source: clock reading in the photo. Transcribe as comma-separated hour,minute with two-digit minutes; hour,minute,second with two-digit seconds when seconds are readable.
3,46
